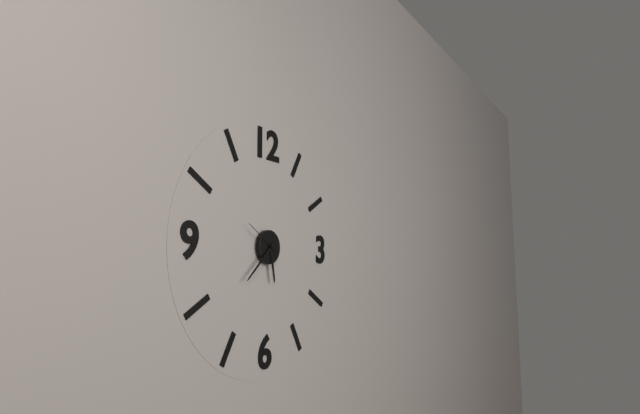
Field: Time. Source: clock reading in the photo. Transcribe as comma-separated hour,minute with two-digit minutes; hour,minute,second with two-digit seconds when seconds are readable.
5,38
